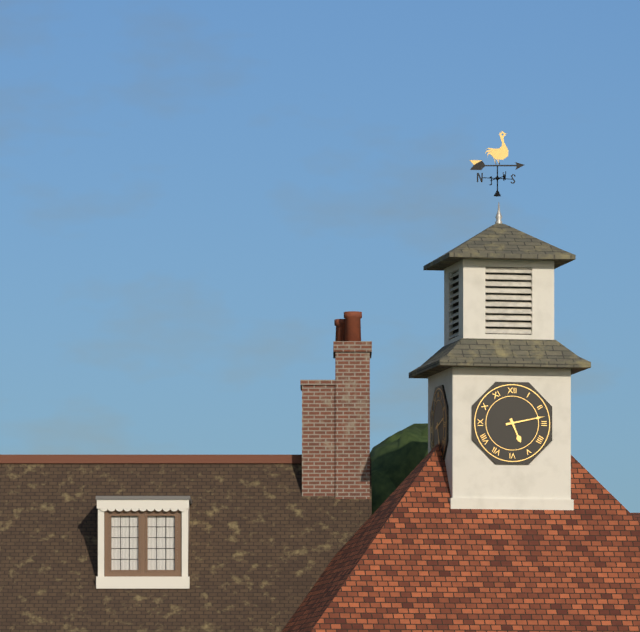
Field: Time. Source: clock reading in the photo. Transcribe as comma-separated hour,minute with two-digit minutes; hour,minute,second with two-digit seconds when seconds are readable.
5,13
